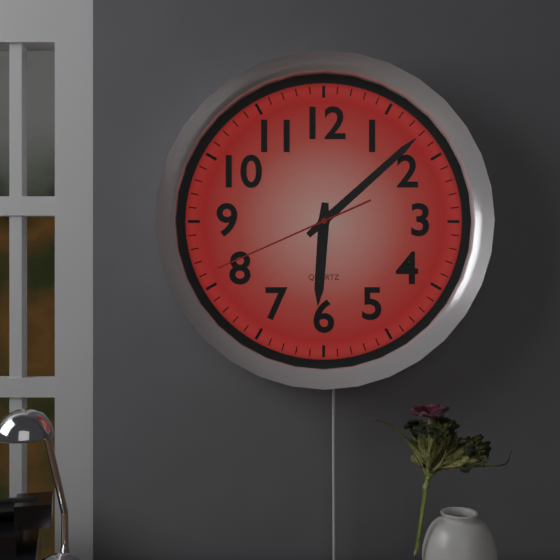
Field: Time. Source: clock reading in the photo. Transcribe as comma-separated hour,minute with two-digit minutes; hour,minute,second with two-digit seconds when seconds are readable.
6,08,41
